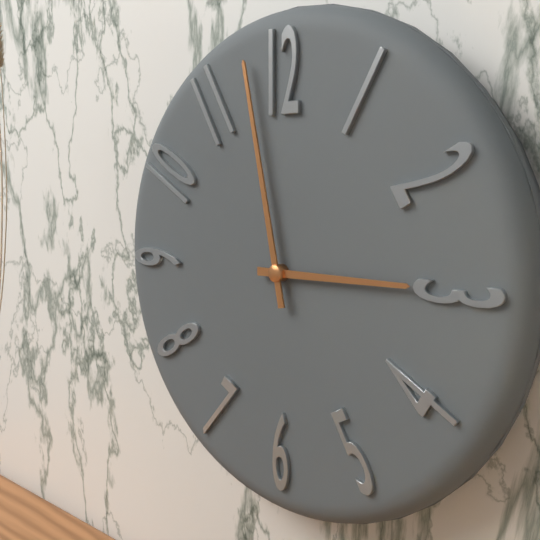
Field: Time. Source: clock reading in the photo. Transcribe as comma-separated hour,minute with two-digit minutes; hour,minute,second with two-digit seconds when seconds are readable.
2,58
